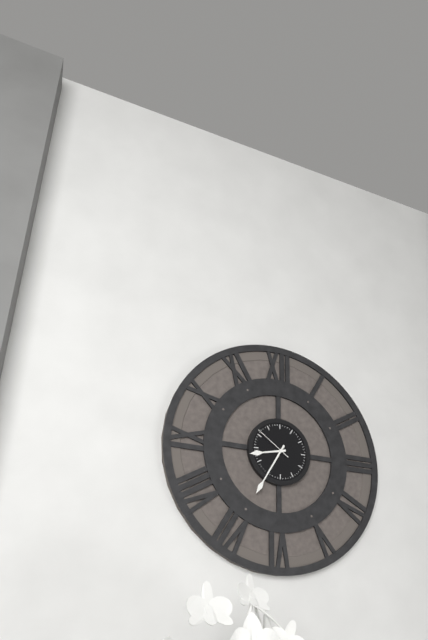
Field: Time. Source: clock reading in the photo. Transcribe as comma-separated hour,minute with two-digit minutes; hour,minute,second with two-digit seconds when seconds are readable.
8,35
